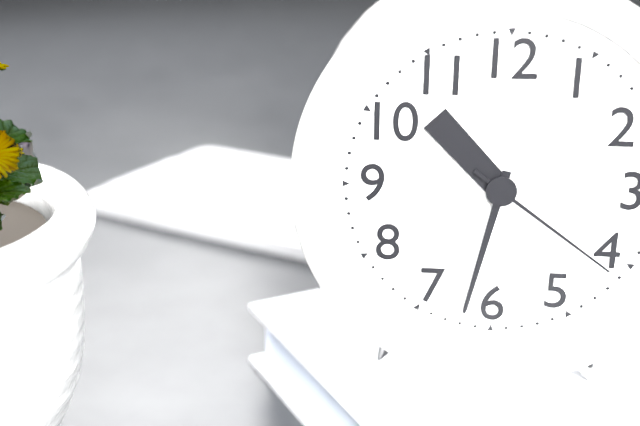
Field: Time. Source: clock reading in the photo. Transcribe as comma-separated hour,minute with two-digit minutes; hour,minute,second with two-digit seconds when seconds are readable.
10,32,21
